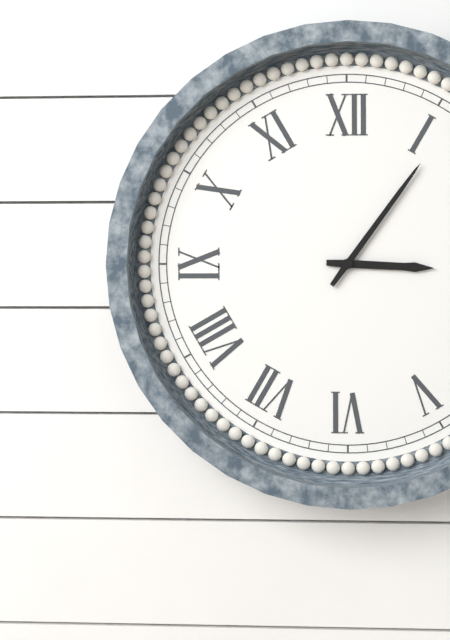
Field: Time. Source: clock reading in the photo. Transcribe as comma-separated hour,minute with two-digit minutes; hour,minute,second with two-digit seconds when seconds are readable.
3,06
